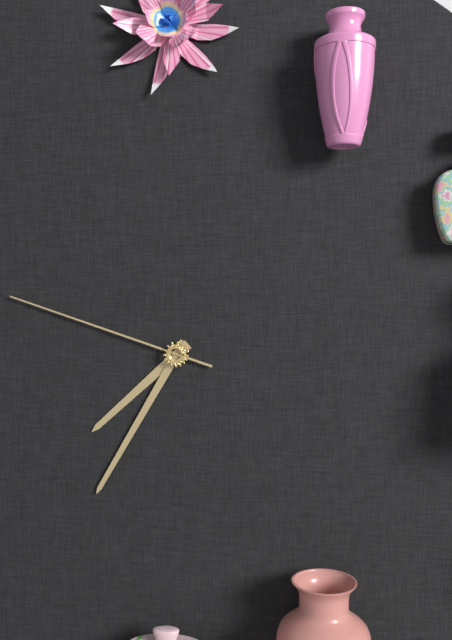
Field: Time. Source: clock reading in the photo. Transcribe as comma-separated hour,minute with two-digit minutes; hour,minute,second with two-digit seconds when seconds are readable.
7,35,48
